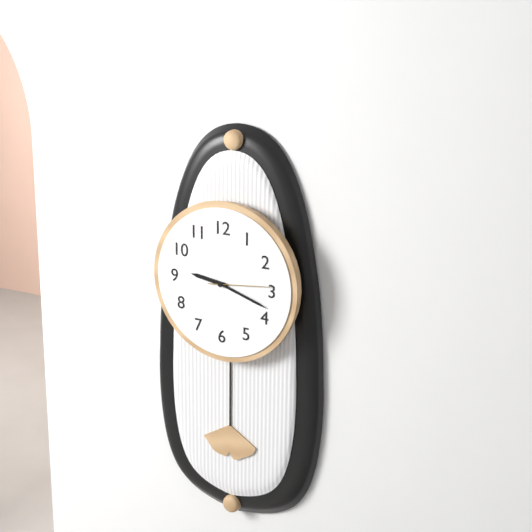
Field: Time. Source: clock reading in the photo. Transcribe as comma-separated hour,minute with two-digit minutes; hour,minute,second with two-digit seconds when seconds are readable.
9,18,14
